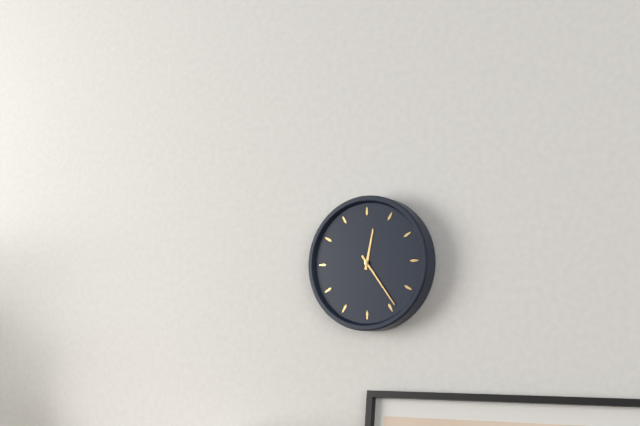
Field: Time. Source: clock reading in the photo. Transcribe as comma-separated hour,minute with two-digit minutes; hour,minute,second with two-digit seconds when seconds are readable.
12,24
